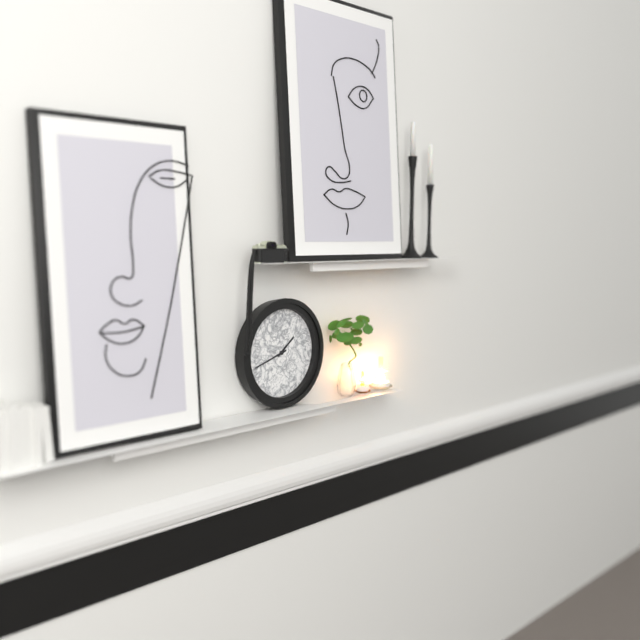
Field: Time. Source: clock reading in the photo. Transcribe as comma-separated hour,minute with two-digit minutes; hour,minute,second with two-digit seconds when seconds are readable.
1,42
